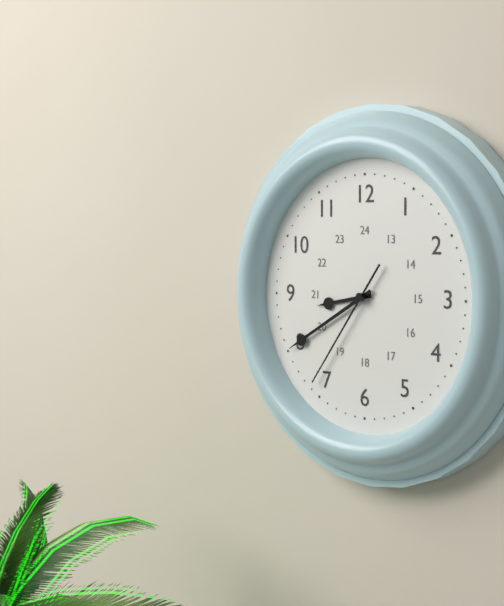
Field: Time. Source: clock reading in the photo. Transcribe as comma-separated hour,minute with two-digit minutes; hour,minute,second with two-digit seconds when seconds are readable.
8,40,36
